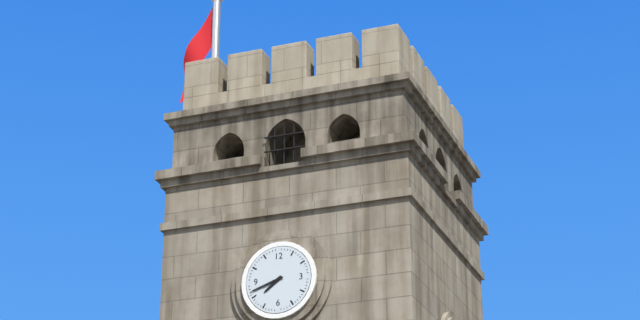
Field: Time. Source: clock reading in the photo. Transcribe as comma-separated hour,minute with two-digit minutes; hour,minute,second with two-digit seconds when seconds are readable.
7,42
